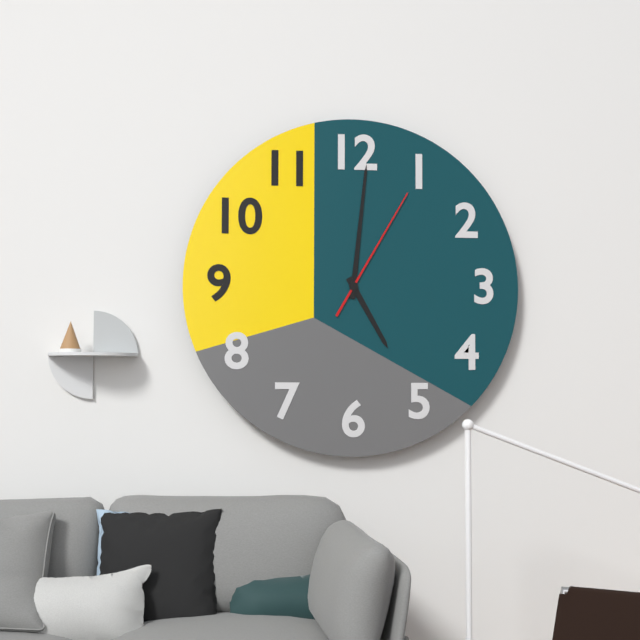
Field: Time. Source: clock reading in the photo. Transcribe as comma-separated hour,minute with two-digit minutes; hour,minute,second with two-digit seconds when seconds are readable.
5,01,05
